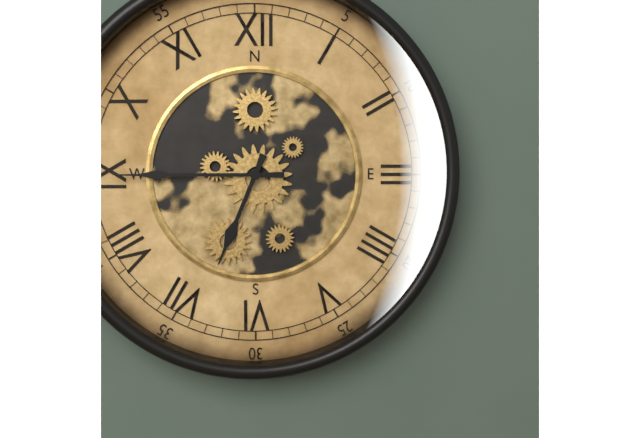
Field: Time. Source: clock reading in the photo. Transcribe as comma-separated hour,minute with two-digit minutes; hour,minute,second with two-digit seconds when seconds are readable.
6,45
